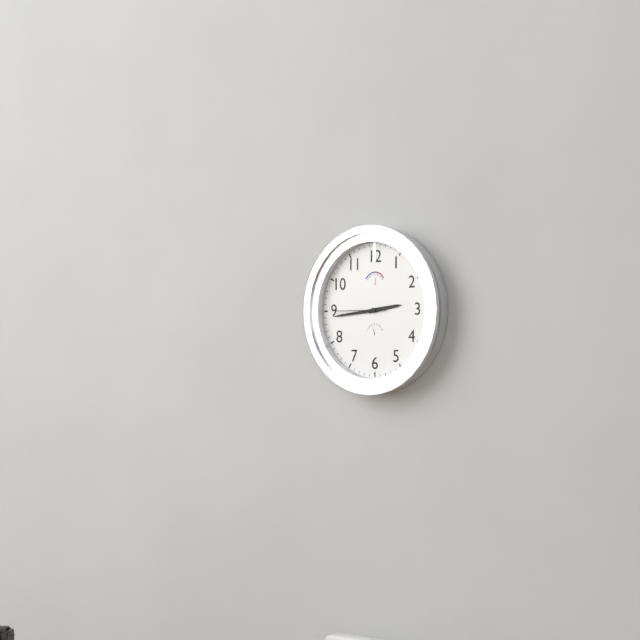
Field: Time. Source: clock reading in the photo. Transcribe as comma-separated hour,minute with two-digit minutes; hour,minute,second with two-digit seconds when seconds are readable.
2,44,45
